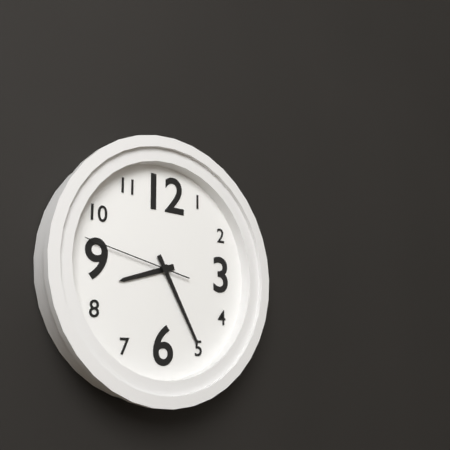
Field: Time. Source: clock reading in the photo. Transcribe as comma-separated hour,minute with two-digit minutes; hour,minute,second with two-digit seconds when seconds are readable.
8,25,47
